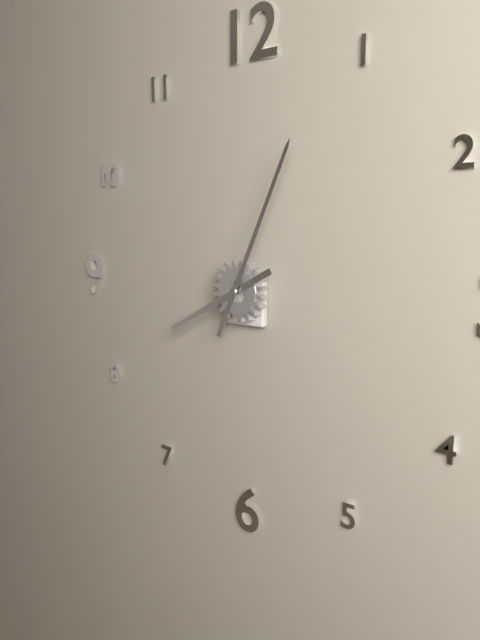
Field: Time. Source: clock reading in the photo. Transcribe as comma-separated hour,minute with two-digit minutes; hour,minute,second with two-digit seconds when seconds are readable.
8,04
